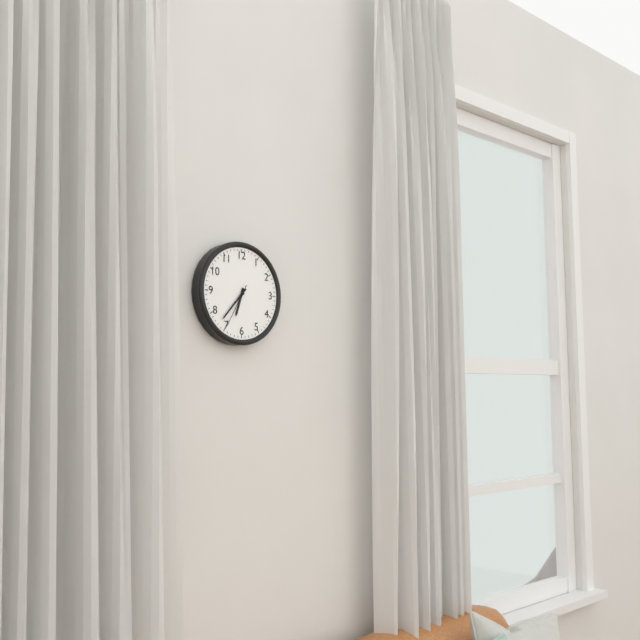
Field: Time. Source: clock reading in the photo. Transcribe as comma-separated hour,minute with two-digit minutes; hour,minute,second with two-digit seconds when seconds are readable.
6,37
